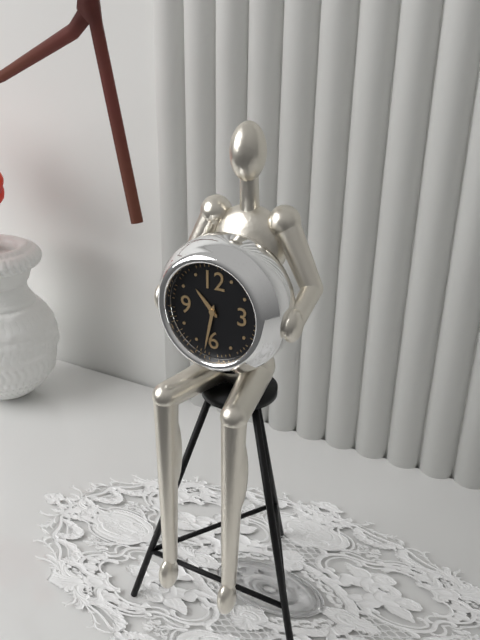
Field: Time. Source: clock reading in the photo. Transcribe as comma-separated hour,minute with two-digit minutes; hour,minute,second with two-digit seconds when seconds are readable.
10,32
